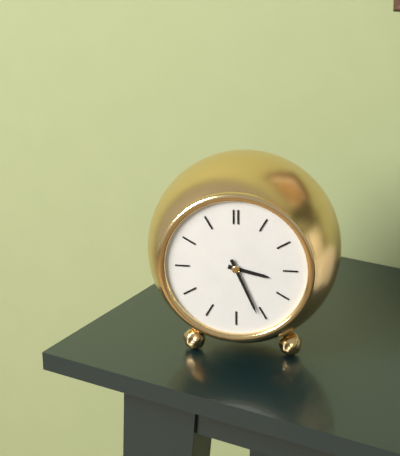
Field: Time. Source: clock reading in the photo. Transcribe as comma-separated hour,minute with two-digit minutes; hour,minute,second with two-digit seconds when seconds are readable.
3,26
